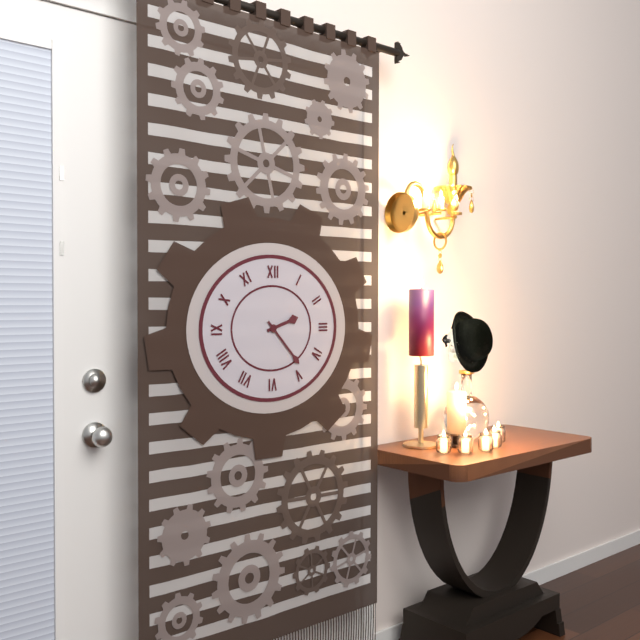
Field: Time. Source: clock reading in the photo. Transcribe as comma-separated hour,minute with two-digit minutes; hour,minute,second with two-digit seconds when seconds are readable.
2,23
